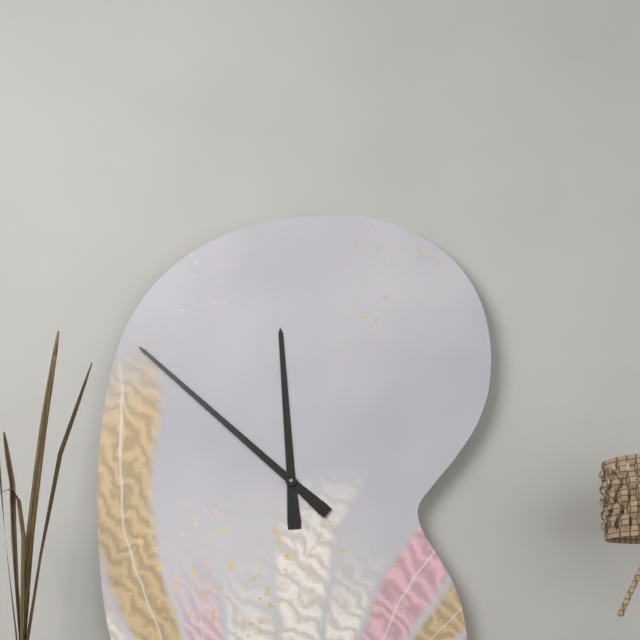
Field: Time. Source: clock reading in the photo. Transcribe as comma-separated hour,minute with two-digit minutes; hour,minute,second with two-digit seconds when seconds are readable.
11,52
